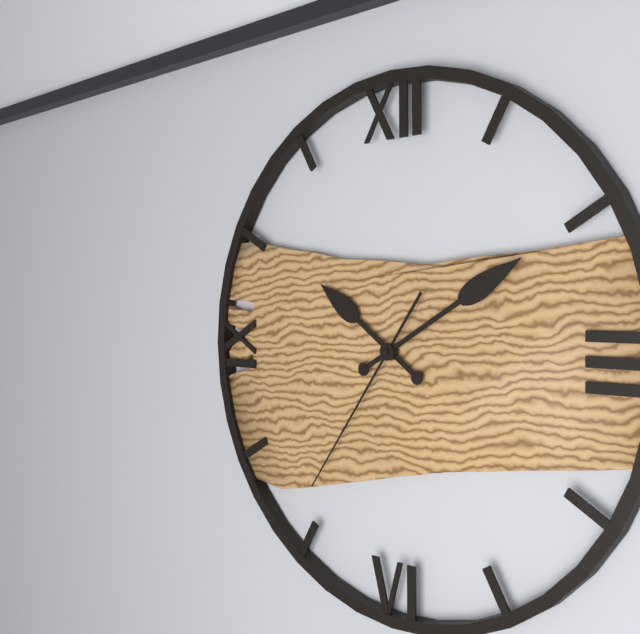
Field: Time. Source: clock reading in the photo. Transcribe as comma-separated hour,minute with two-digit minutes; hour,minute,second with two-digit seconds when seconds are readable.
10,10,36
